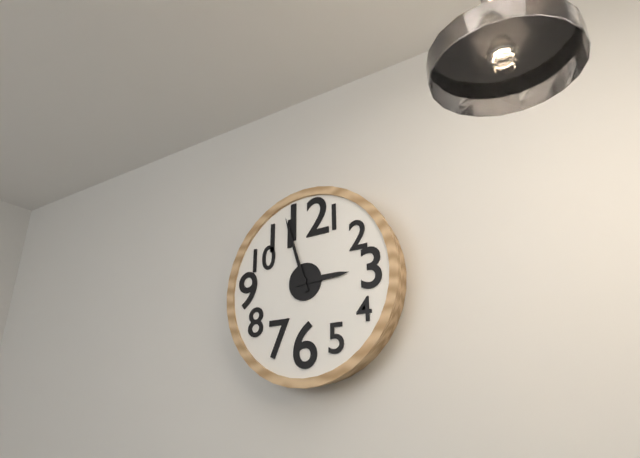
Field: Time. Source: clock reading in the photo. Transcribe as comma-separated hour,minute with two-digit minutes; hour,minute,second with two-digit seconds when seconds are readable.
2,57
